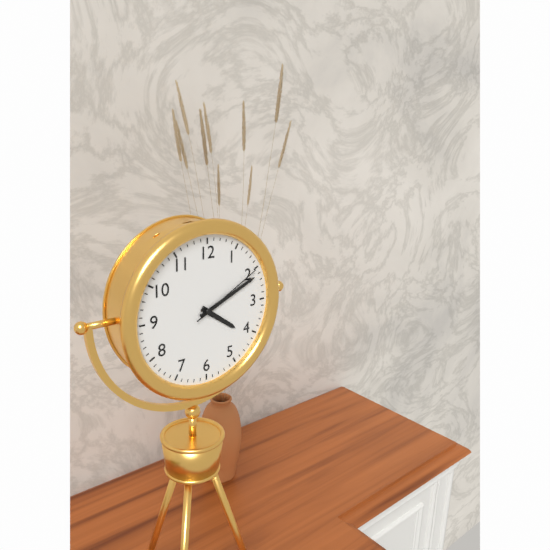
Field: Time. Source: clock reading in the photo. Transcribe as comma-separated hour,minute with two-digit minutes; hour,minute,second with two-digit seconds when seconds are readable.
4,11,10
